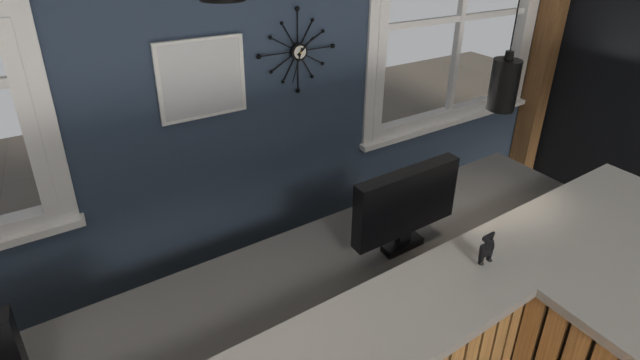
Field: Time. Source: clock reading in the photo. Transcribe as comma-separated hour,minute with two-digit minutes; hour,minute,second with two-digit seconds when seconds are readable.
1,33
